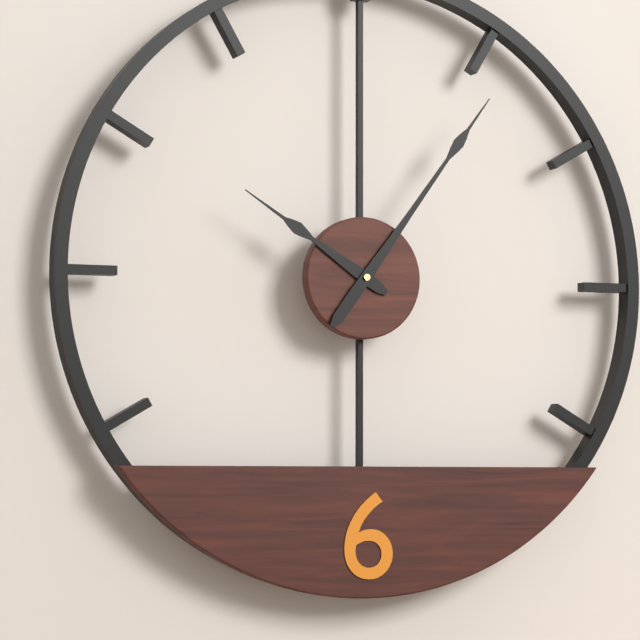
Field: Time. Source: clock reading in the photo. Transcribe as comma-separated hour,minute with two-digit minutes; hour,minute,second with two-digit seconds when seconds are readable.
10,06
